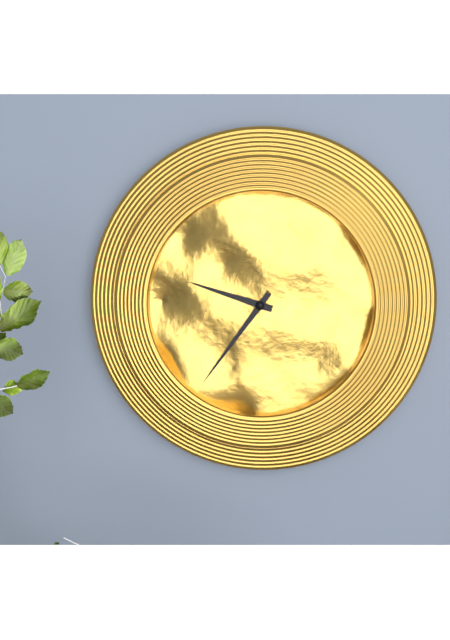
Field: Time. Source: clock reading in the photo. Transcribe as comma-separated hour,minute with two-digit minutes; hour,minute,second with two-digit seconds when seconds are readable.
9,36
